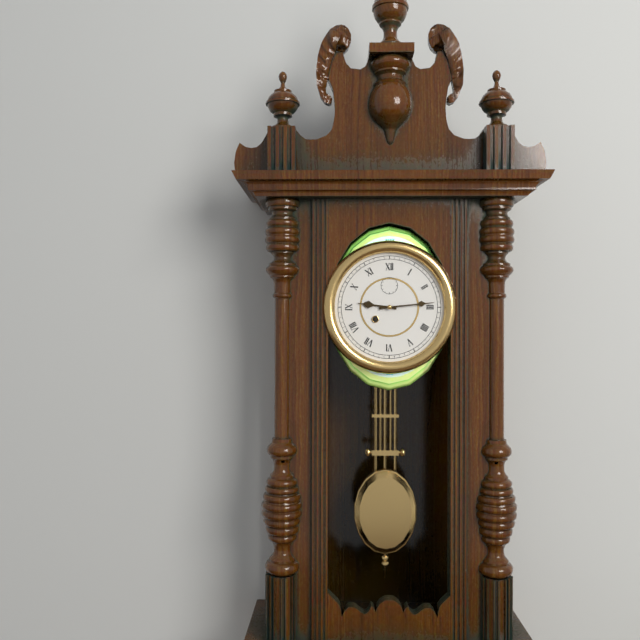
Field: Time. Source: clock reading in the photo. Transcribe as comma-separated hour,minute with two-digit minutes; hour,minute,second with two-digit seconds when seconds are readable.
9,14
